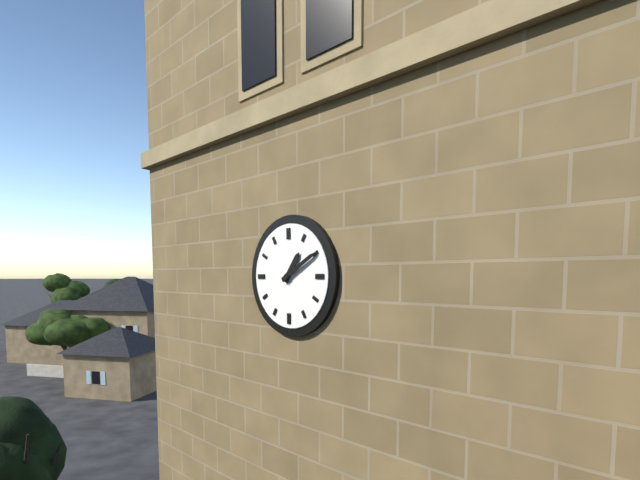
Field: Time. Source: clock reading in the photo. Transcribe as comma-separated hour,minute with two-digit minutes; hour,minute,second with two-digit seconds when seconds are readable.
1,10
